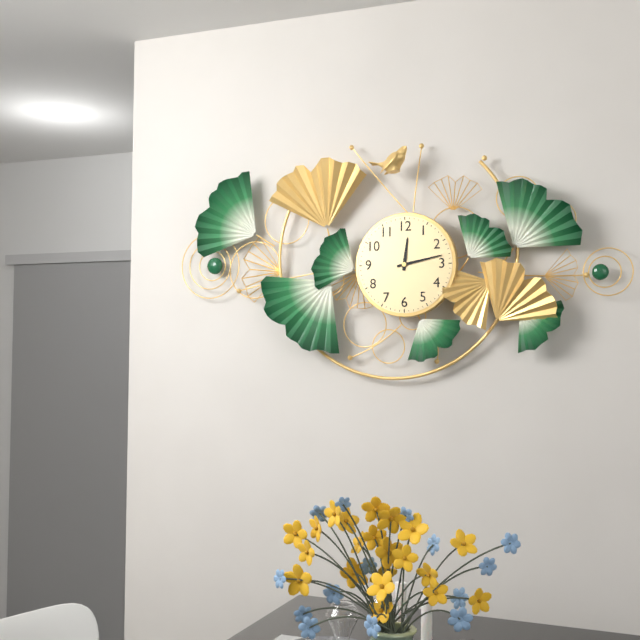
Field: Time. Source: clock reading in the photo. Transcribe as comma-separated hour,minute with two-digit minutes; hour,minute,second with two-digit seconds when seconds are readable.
12,13
